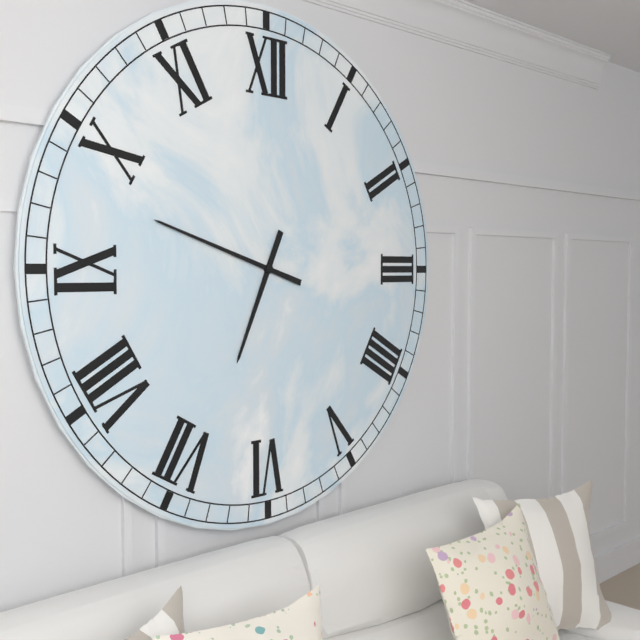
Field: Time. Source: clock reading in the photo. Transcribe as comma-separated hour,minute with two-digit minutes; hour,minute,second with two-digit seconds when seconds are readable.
6,48
